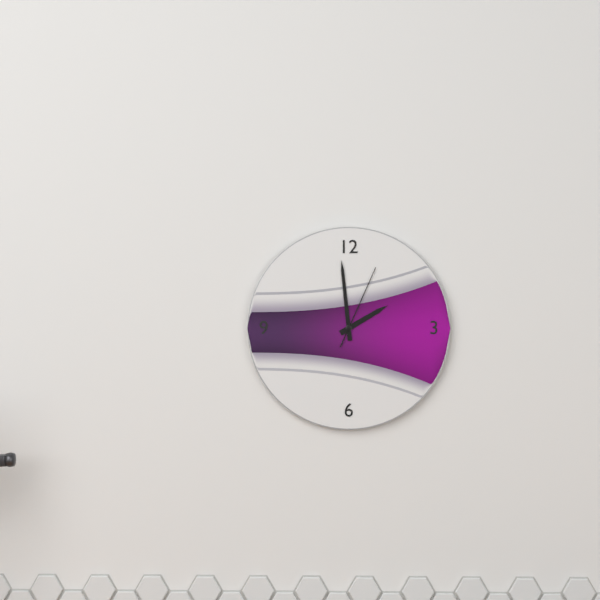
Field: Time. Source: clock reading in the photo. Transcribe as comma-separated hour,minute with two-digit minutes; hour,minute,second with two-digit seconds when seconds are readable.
1,59,04
